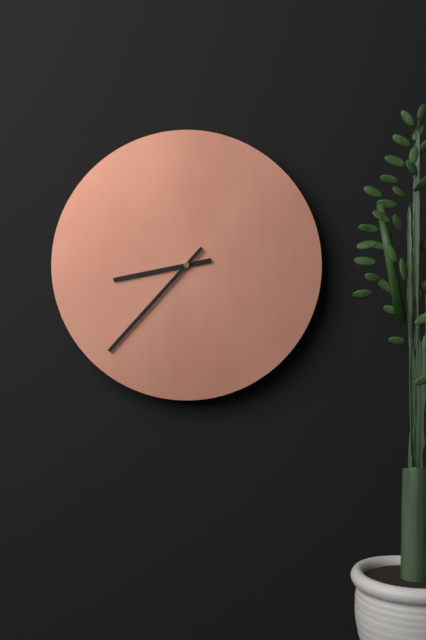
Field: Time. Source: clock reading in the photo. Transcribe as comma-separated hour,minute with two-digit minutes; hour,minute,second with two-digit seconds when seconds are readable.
8,37
